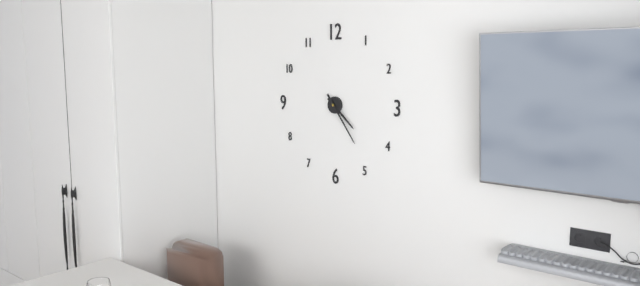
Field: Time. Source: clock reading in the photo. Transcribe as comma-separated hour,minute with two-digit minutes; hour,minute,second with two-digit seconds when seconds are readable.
4,24
